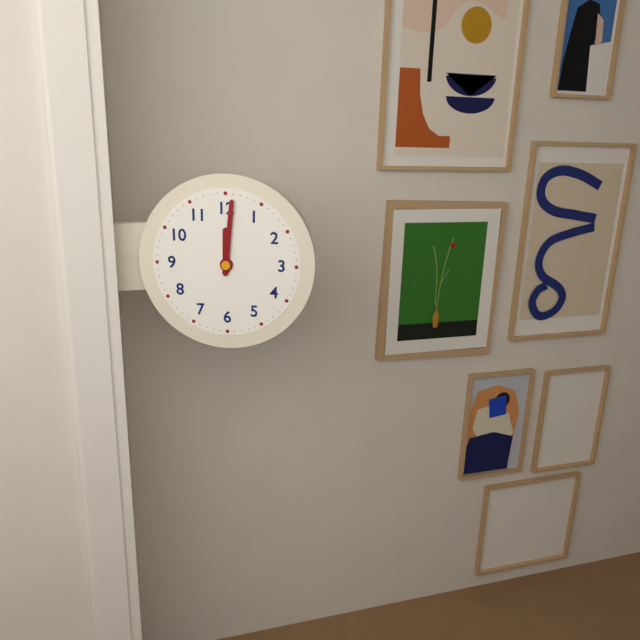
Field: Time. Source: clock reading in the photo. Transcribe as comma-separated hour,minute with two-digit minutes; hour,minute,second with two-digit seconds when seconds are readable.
12,01
